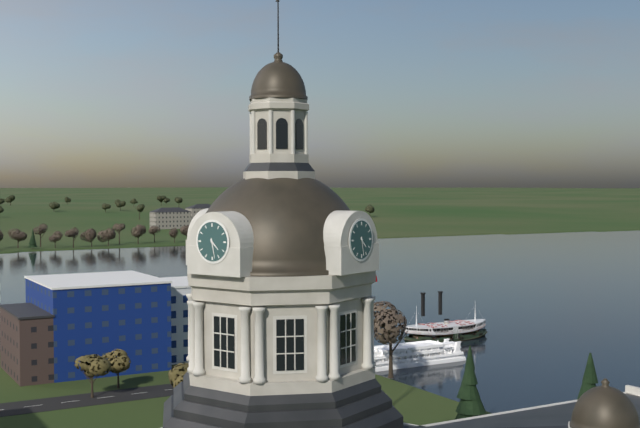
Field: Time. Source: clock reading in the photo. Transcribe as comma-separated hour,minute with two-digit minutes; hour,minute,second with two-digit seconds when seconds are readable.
4,28
